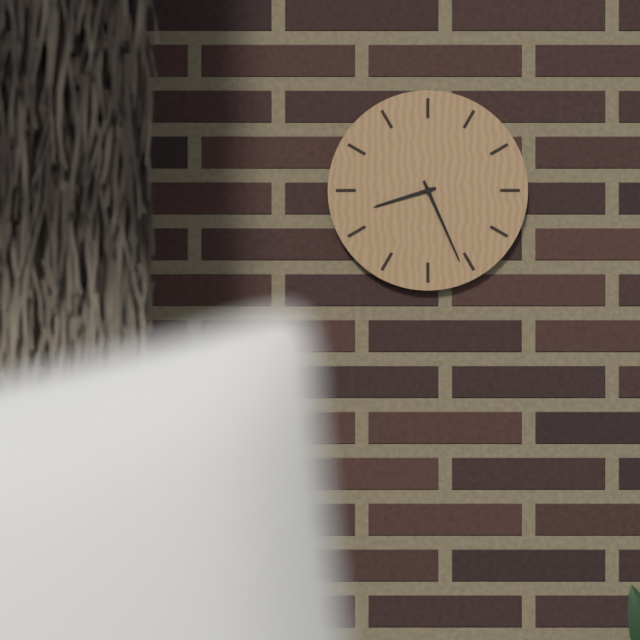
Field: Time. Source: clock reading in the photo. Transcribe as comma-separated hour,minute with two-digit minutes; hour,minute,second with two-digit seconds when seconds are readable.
8,26
